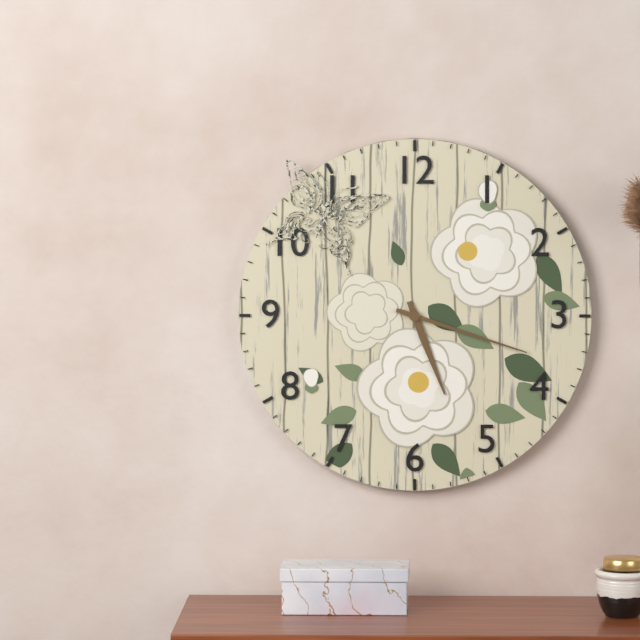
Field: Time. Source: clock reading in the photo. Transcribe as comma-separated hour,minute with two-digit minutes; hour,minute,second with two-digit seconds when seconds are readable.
5,18
